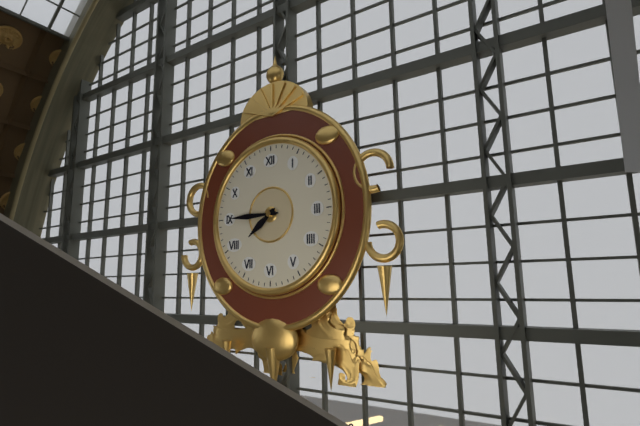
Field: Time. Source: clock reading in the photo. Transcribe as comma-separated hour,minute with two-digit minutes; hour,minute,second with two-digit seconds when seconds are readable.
7,45
